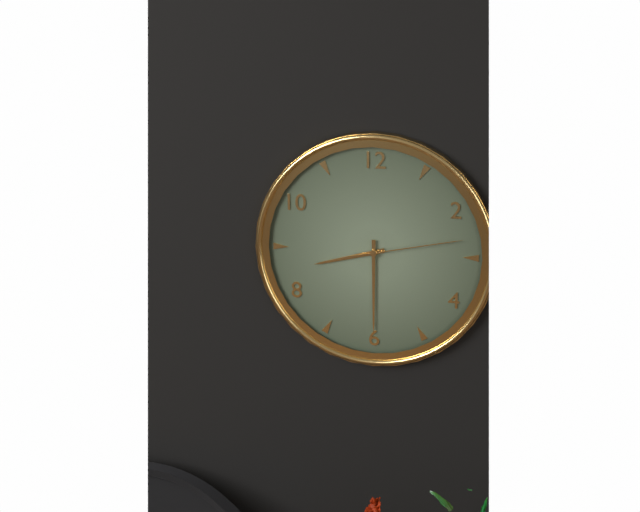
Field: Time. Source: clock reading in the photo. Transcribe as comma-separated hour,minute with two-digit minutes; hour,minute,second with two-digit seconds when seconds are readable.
8,30,13
